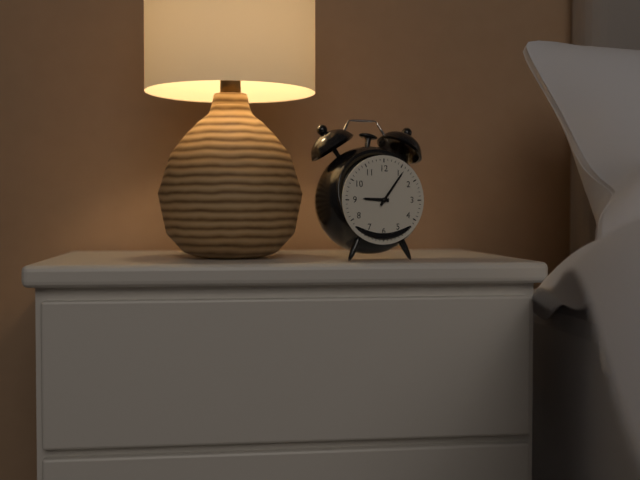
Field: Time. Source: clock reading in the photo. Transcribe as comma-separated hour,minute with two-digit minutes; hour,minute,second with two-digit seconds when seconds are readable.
9,06
